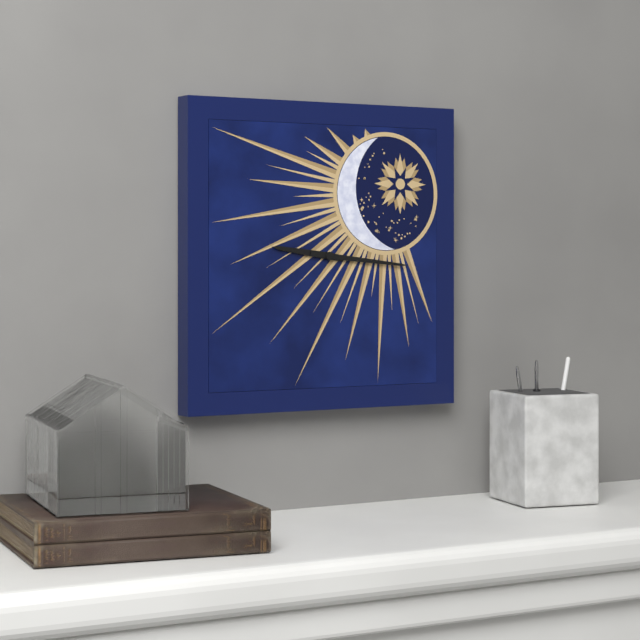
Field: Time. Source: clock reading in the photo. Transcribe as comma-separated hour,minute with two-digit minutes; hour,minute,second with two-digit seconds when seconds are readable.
9,16
